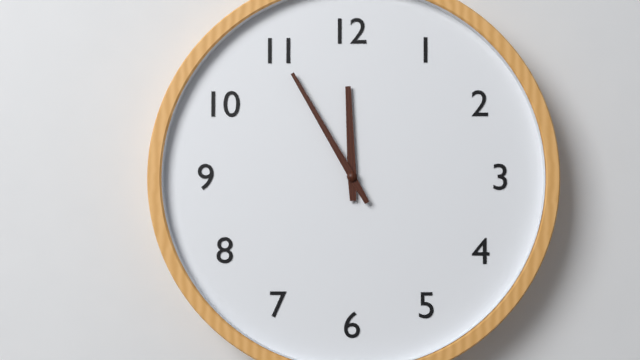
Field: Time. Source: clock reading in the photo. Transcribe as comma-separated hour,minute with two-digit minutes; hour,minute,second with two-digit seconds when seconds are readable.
11,55
